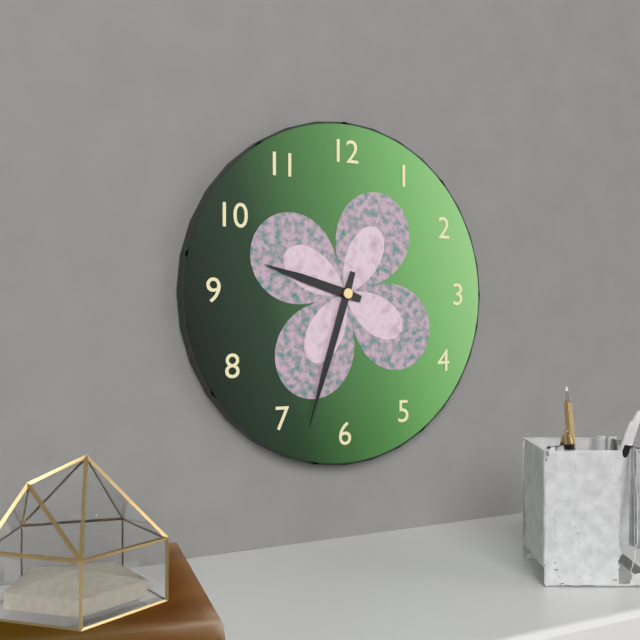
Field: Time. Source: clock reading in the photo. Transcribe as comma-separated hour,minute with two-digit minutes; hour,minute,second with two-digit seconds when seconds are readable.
9,33
